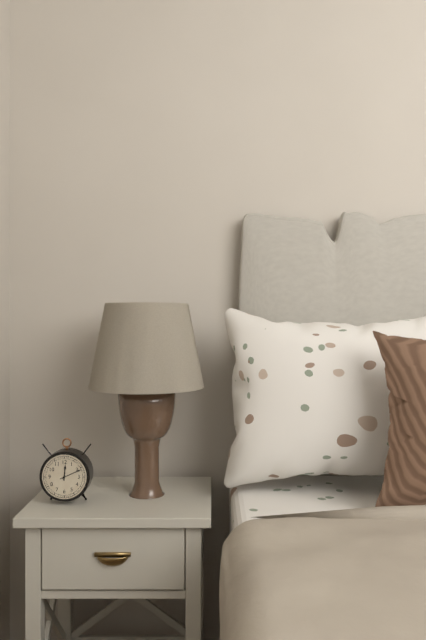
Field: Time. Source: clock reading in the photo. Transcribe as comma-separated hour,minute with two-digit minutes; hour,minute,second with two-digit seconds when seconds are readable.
12,11
